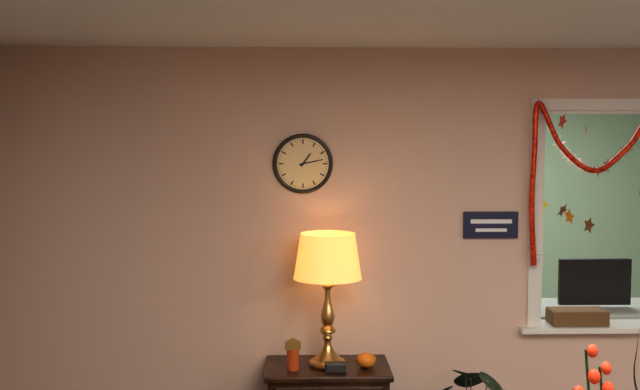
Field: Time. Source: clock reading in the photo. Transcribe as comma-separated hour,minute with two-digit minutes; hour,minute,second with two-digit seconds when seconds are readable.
1,13
